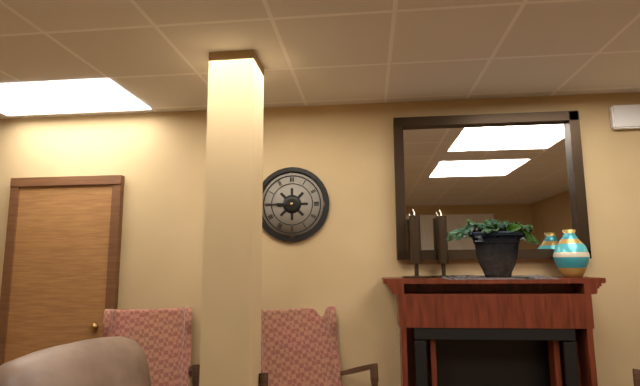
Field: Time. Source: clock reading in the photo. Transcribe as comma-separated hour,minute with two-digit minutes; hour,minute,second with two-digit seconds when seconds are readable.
8,45
